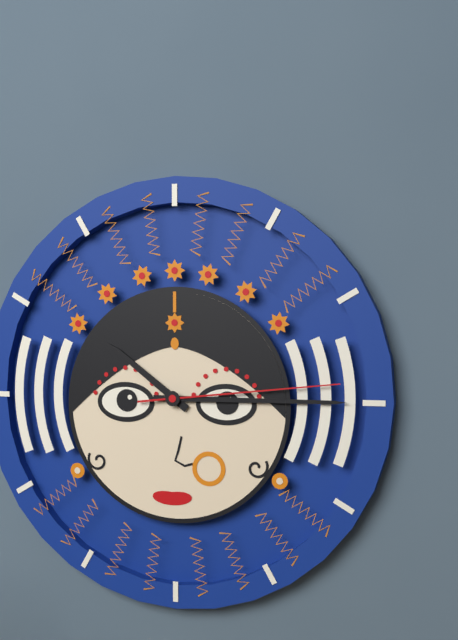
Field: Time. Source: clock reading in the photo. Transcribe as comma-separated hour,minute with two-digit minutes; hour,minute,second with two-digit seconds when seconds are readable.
10,15,14
